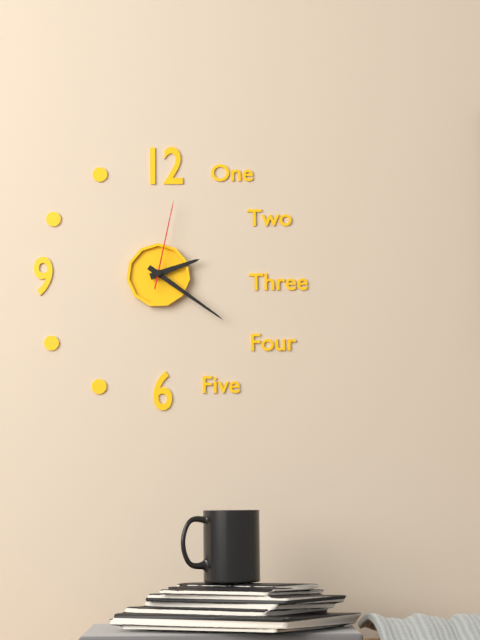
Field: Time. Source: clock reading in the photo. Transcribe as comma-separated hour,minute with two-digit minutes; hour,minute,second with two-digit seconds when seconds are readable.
2,21,02
